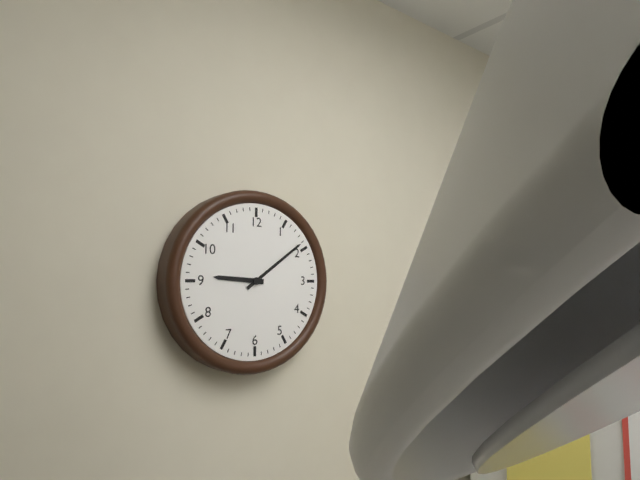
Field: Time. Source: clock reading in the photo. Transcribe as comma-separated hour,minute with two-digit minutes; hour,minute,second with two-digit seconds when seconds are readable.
9,09
